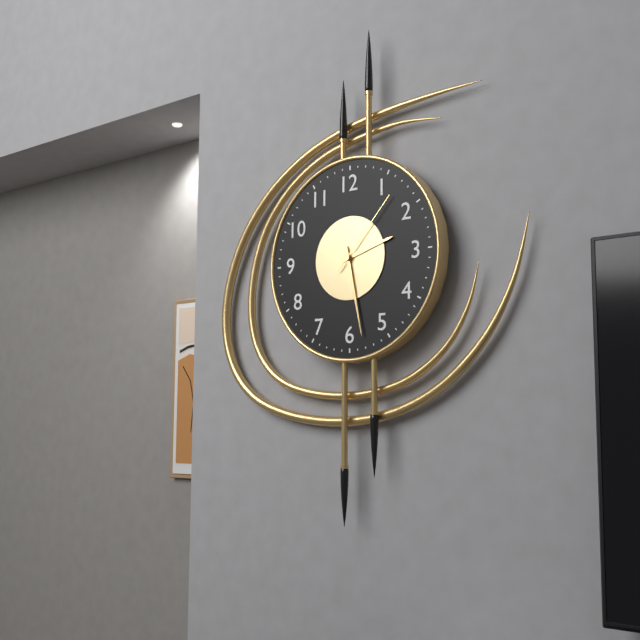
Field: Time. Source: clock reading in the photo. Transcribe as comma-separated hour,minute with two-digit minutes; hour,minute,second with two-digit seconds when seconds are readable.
2,28,07
